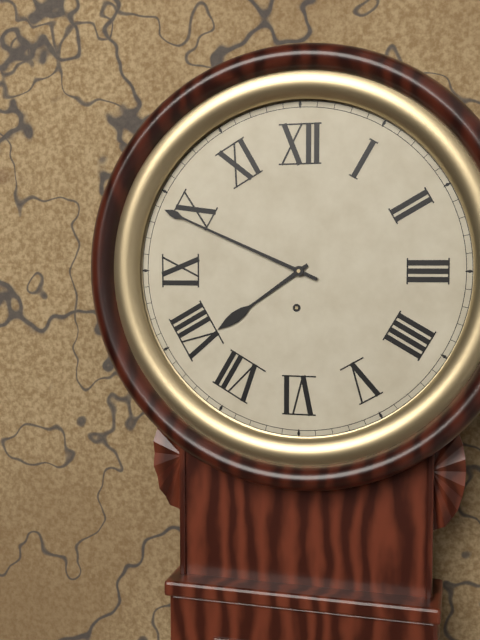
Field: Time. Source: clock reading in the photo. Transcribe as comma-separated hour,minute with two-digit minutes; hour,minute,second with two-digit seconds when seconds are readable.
7,49
